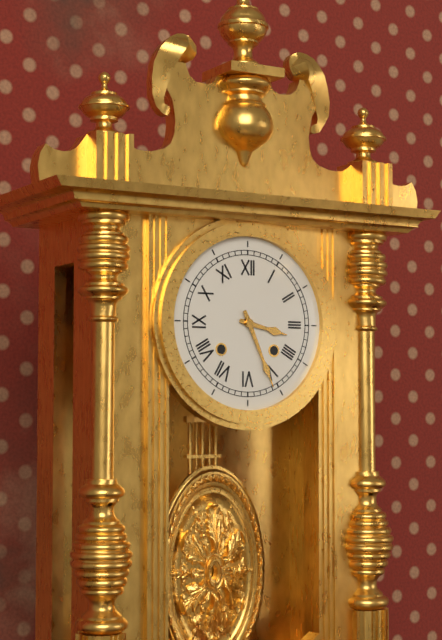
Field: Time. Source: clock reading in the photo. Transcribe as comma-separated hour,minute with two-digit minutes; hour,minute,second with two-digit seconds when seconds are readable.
3,26
